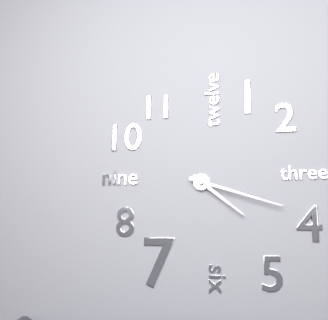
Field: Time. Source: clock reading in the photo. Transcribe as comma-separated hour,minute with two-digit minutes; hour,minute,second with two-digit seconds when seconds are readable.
4,18
